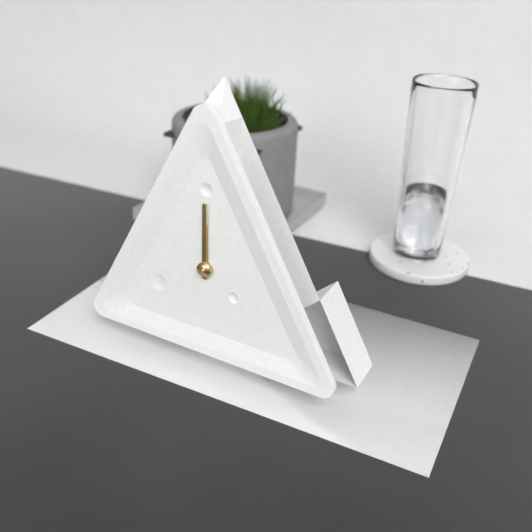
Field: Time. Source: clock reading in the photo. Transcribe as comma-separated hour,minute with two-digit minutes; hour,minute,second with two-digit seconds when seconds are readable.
12,00
